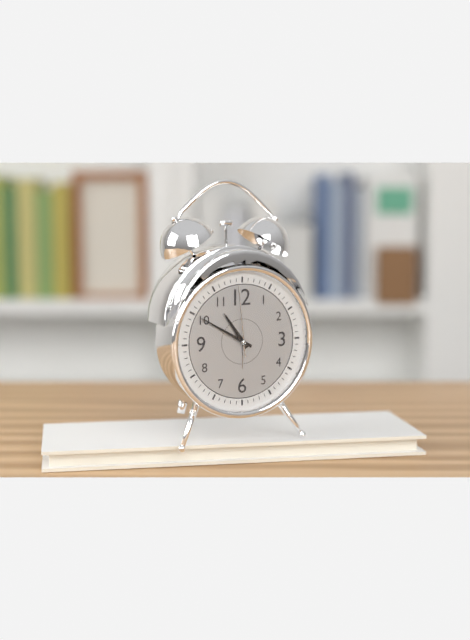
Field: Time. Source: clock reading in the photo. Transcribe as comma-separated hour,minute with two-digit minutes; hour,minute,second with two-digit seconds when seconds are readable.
10,50,59
